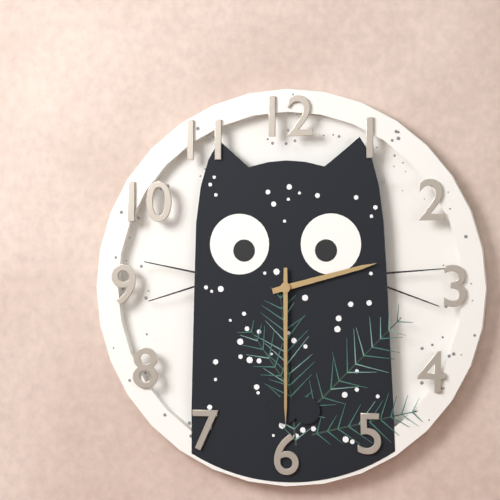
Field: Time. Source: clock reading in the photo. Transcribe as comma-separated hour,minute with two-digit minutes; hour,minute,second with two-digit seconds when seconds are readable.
2,30
